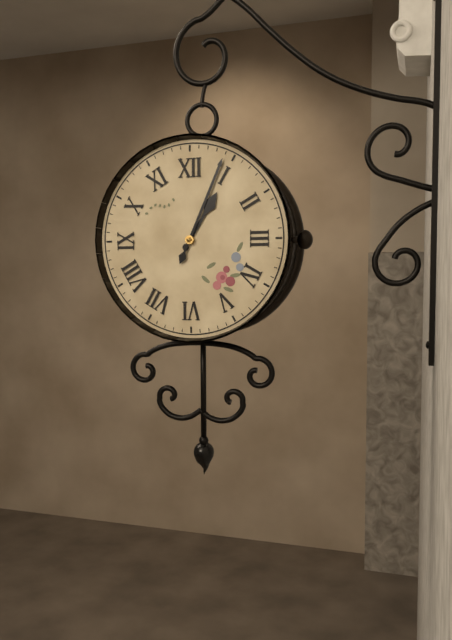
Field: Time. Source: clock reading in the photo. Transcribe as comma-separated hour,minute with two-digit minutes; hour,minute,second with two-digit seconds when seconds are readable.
1,04
